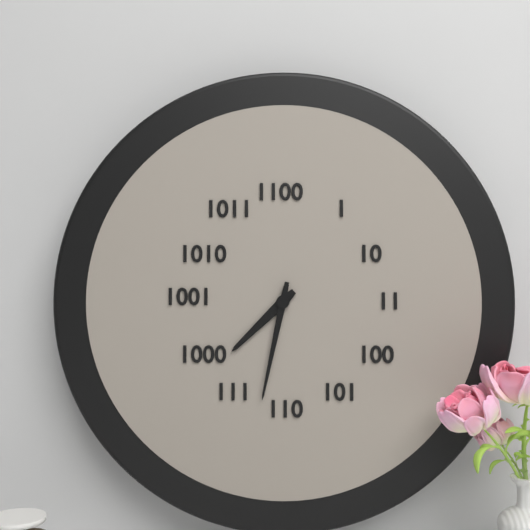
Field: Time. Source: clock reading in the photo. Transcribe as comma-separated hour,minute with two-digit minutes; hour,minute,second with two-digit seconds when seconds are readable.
7,32
